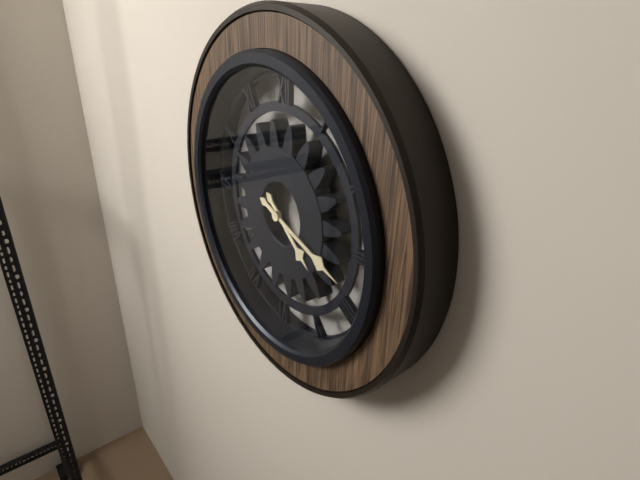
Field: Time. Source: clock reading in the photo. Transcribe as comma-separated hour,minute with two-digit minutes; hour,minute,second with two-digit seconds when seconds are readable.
4,18
